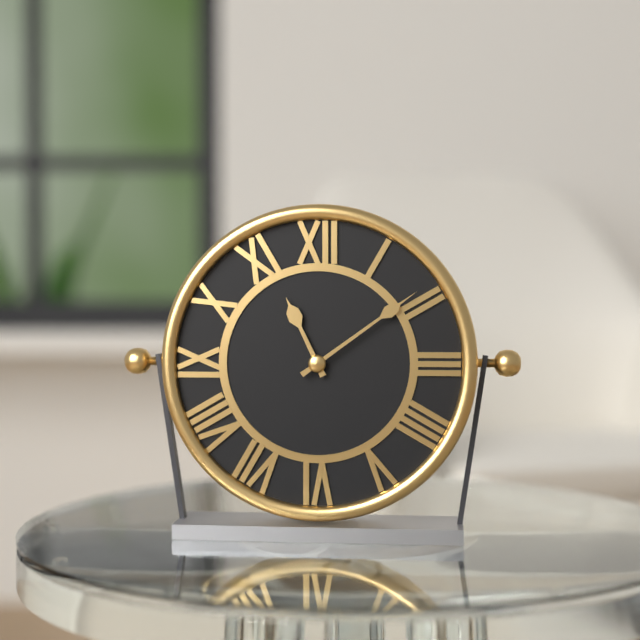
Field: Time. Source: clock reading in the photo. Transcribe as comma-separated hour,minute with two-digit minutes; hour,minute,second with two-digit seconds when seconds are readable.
11,09
